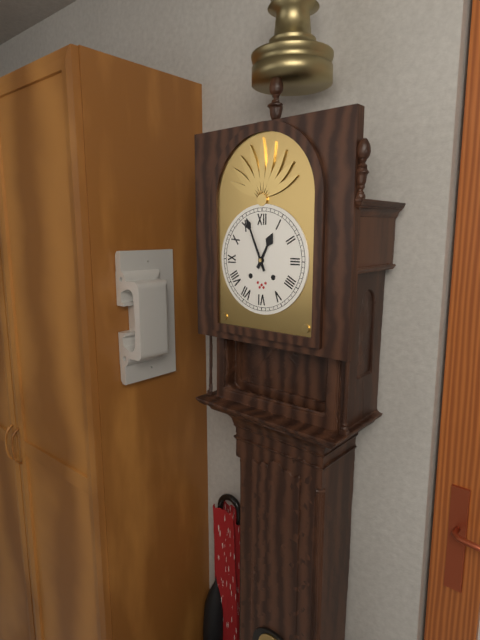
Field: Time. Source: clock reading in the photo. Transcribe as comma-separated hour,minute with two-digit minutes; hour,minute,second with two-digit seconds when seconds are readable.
12,56
